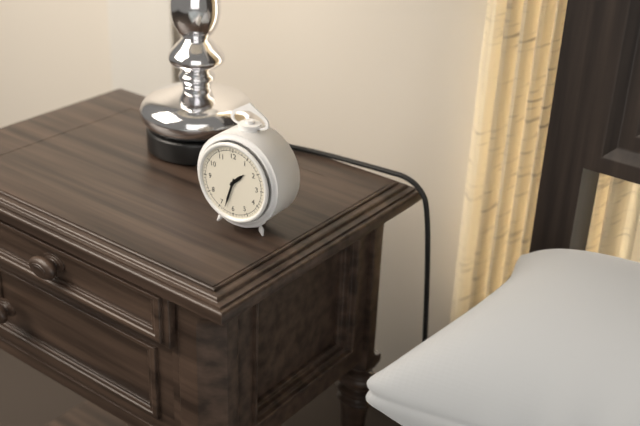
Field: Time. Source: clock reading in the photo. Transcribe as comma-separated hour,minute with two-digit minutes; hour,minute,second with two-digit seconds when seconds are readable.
1,33
